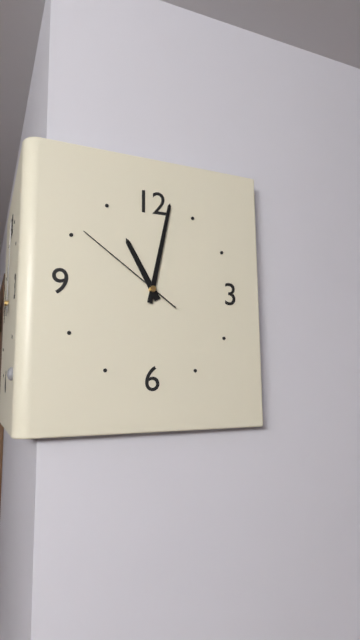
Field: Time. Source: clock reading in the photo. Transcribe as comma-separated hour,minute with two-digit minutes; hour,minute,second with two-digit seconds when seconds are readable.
11,02,51
